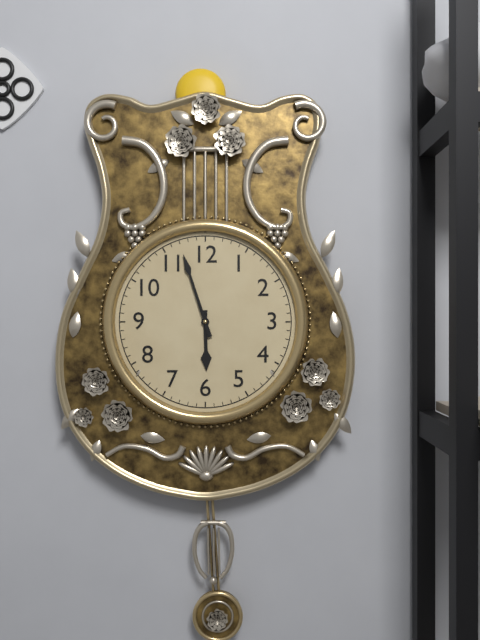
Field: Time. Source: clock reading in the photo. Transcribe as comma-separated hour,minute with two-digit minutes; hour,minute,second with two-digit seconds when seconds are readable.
5,57
